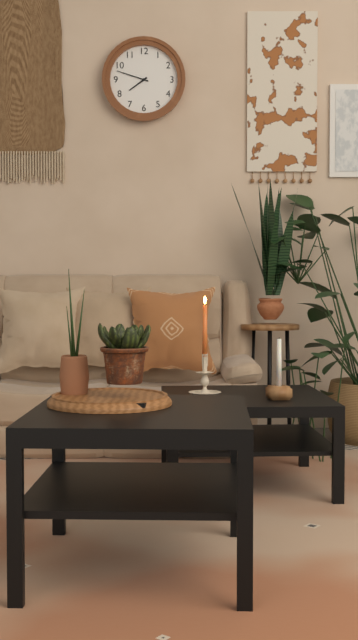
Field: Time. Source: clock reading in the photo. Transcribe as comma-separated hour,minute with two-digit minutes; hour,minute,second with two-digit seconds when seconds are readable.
7,48
